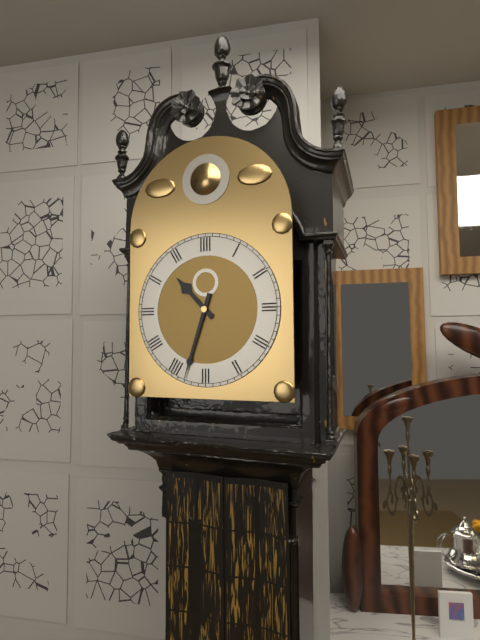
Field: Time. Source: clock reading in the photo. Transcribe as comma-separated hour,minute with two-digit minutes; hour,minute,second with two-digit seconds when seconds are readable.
10,33
